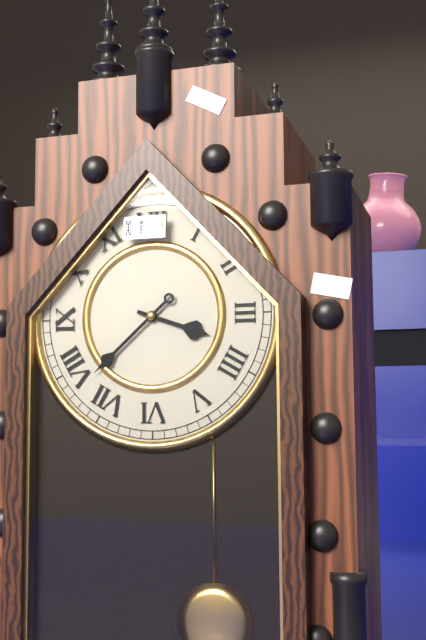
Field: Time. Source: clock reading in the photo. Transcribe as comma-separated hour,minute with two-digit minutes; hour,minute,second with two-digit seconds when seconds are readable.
3,38
